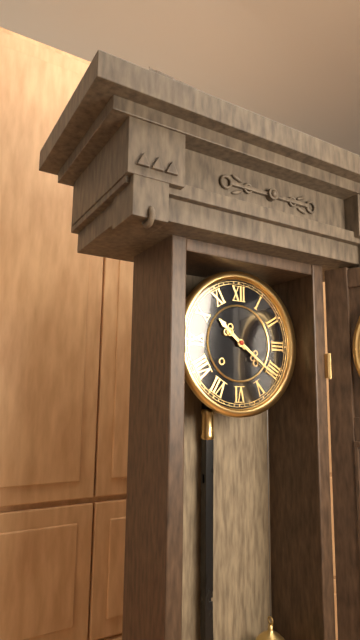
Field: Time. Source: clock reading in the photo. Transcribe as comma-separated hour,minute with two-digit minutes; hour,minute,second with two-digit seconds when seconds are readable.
10,21
